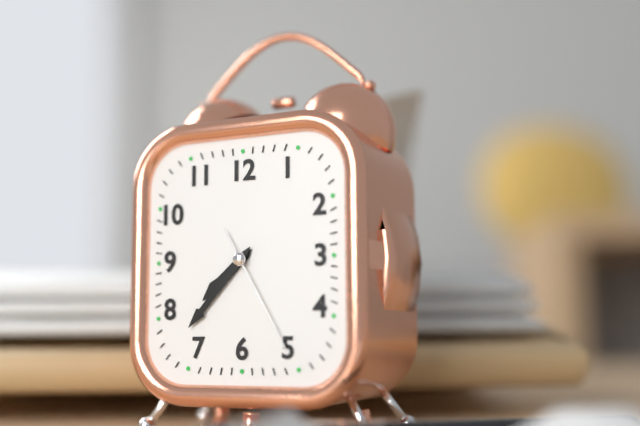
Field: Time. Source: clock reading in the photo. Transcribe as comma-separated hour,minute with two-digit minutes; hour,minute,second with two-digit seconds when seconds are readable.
7,37,25
